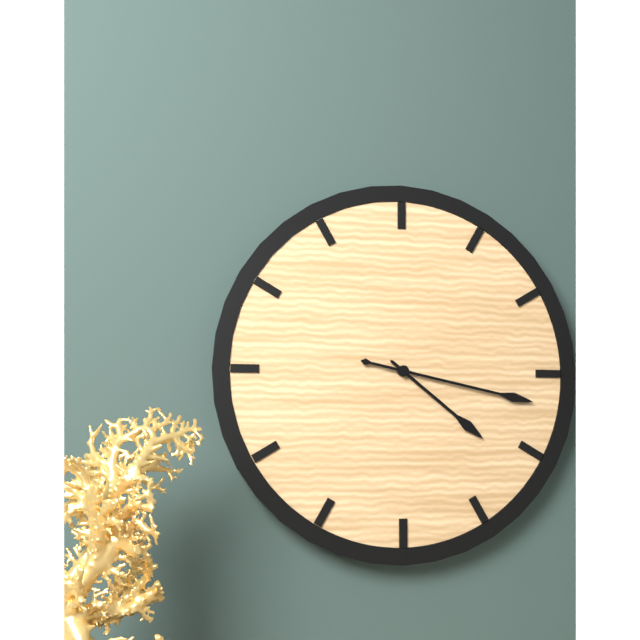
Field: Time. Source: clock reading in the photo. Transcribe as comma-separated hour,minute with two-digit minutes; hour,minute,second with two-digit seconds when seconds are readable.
4,17
